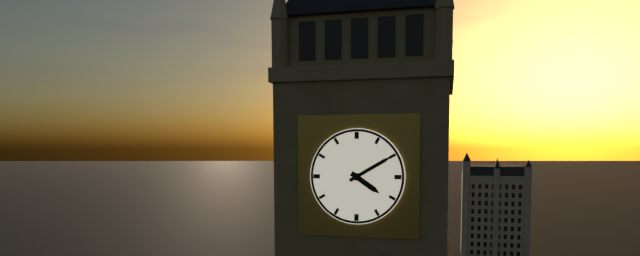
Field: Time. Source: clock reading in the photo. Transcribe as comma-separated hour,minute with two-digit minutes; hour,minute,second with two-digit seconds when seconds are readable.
4,10
